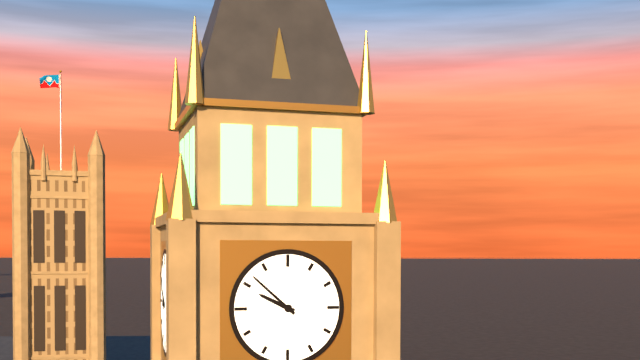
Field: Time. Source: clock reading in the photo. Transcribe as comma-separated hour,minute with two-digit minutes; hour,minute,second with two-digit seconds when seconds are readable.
9,52
